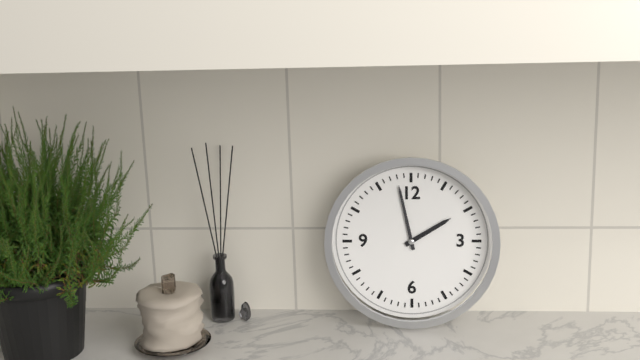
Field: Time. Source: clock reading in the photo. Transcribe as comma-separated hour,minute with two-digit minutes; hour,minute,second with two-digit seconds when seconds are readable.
1,58
